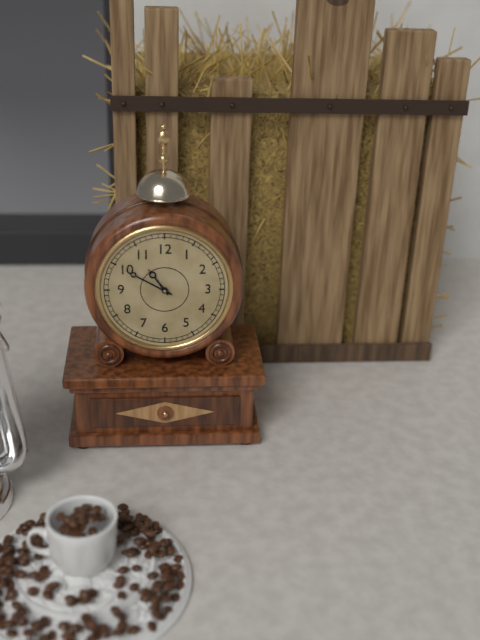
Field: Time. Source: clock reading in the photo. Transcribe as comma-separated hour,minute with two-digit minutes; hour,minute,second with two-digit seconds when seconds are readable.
10,50
